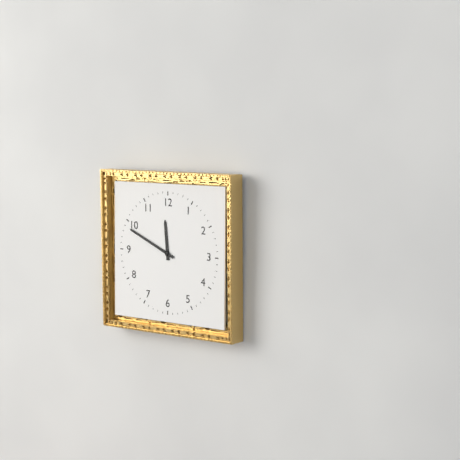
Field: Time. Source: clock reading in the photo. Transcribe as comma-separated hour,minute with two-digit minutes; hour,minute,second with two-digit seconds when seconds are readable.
11,49
